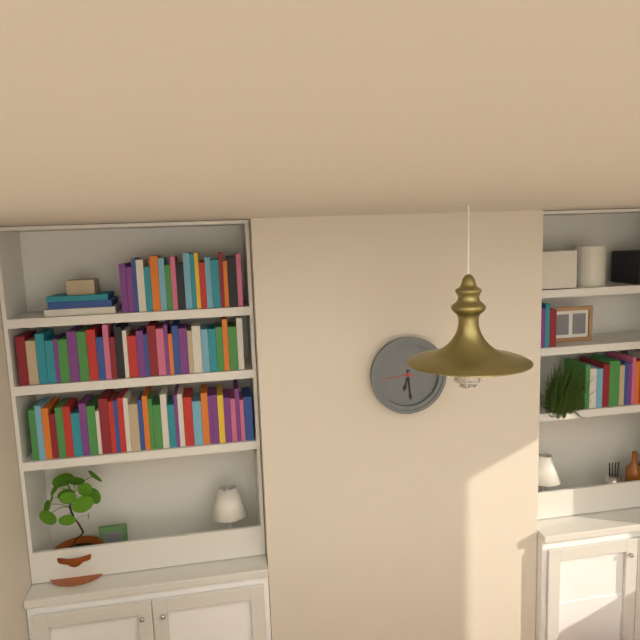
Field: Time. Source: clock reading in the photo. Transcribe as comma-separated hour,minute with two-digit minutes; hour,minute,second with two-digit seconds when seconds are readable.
6,29
